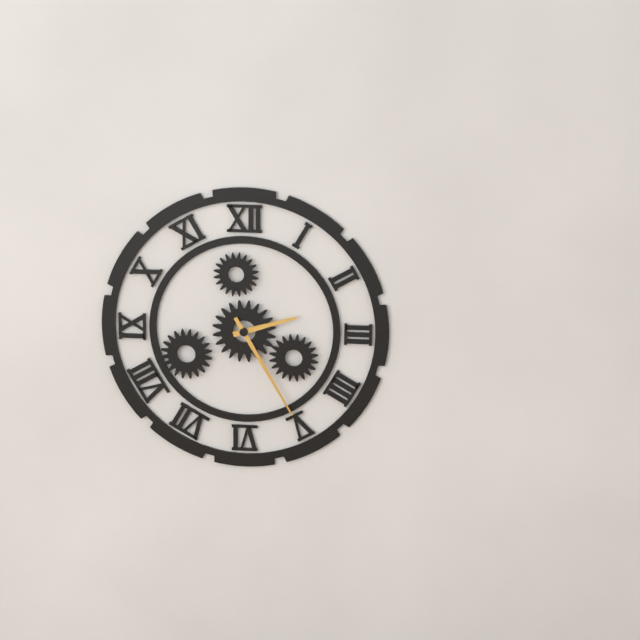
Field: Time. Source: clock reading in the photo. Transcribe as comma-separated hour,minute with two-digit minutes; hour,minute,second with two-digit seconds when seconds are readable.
2,25
